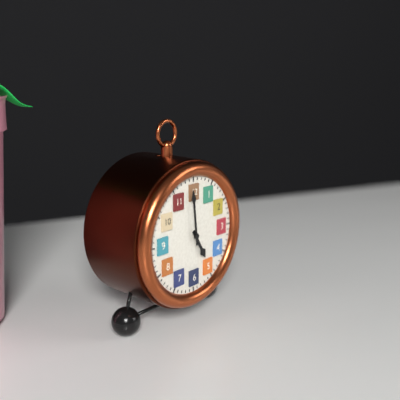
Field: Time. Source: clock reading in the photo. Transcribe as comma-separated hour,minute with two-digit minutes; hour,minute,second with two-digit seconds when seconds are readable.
4,59
